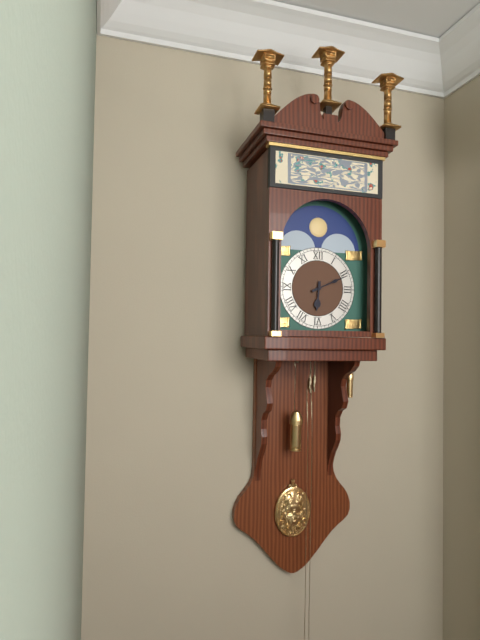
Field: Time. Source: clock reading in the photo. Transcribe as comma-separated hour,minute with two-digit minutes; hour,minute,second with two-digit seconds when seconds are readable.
6,11
